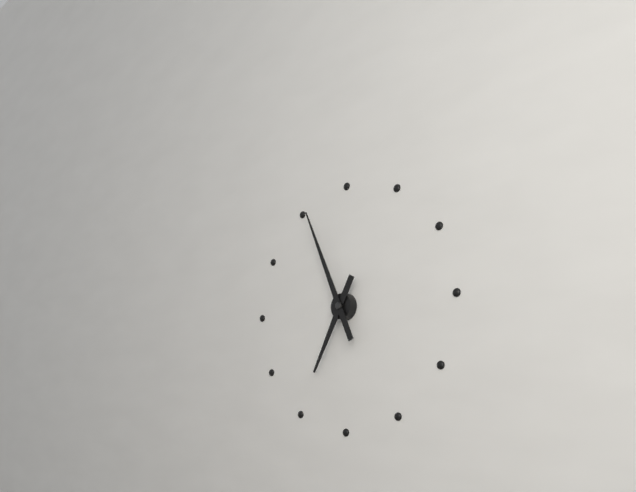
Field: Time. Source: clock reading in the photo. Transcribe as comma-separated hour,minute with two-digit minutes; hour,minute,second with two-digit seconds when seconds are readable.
6,56
